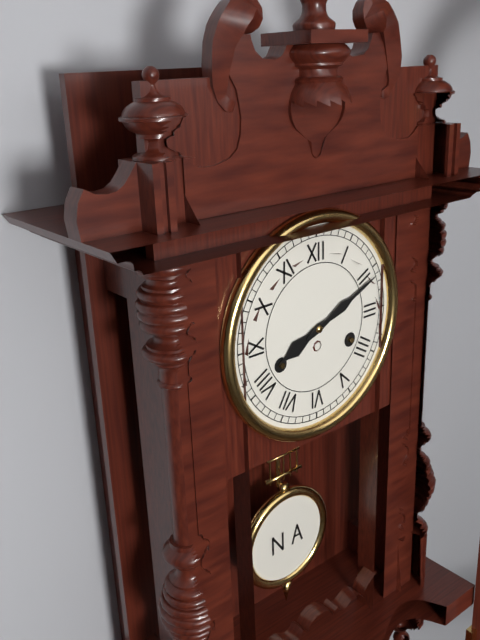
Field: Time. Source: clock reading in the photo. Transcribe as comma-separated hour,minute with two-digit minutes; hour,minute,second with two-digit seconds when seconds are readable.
8,11
